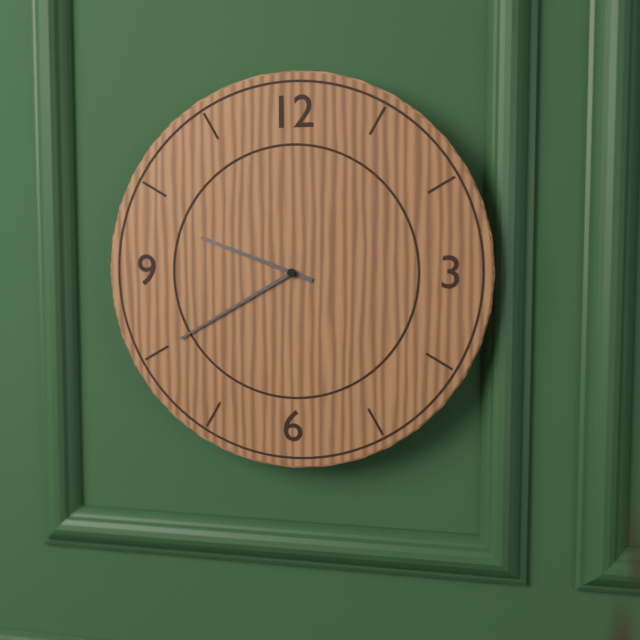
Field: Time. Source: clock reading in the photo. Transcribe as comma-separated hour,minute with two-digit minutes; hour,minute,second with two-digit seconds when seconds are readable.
9,40
